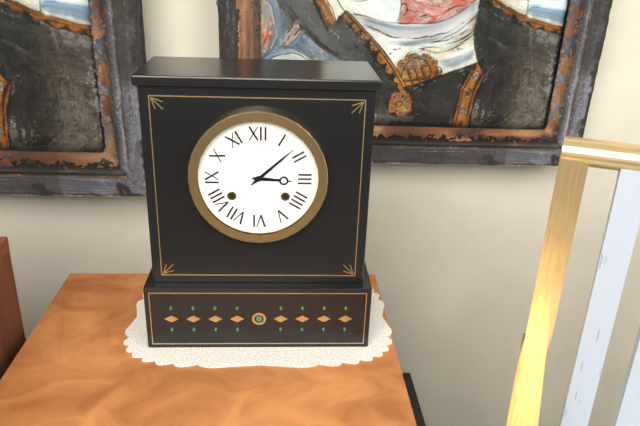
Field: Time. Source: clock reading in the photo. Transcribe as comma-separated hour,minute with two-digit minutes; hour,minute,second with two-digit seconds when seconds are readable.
3,08
